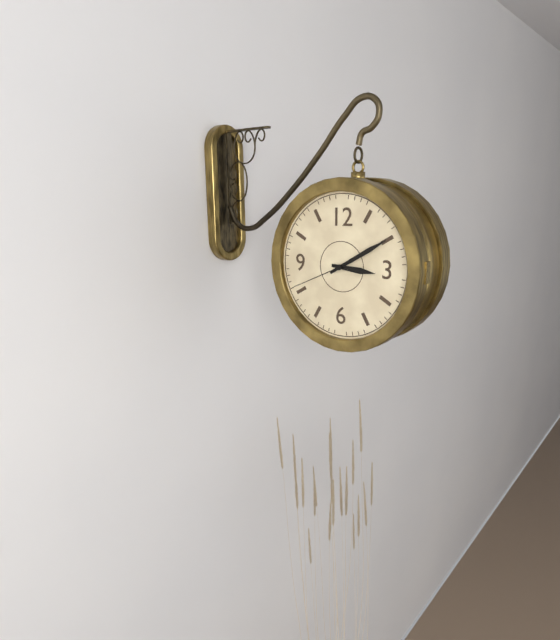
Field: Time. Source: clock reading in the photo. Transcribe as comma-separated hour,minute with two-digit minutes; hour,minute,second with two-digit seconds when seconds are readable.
3,10,41
